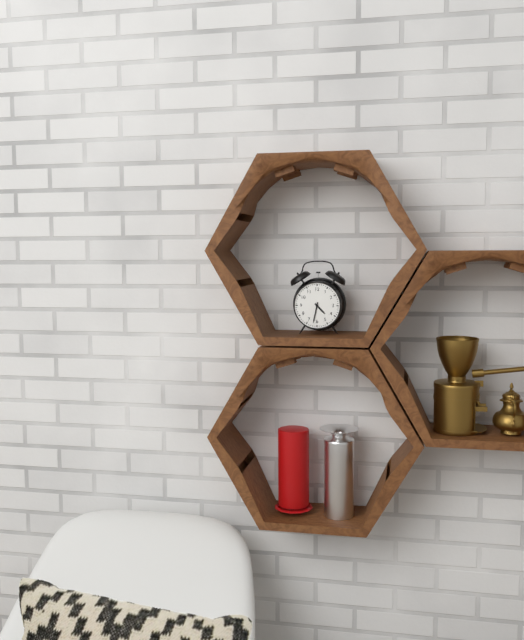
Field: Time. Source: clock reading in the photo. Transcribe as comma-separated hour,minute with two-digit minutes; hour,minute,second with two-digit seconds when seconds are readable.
4,32
